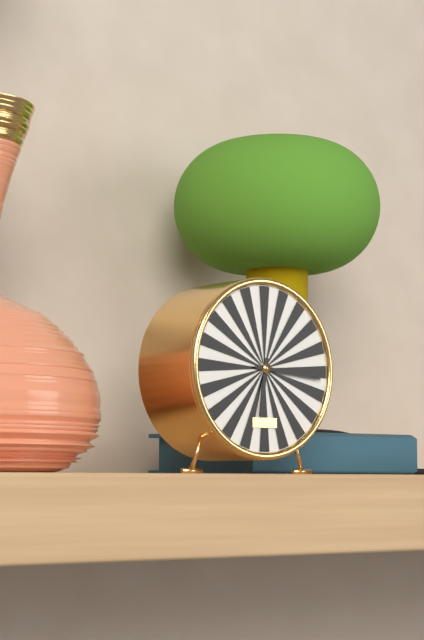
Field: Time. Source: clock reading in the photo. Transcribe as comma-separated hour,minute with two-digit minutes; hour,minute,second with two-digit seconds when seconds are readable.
6,16
